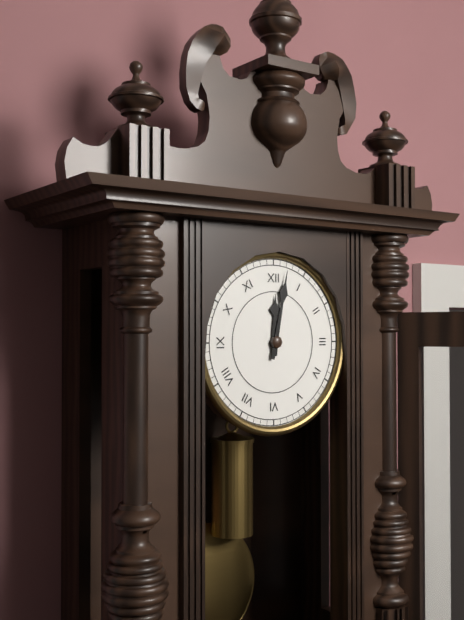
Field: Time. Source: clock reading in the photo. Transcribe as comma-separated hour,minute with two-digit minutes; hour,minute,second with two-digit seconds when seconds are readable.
12,02
